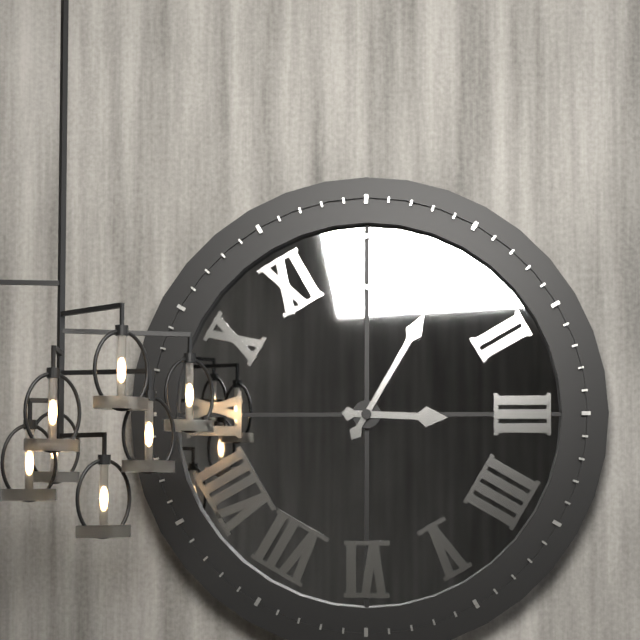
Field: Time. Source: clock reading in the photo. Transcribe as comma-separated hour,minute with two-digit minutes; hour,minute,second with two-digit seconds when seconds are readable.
3,05
